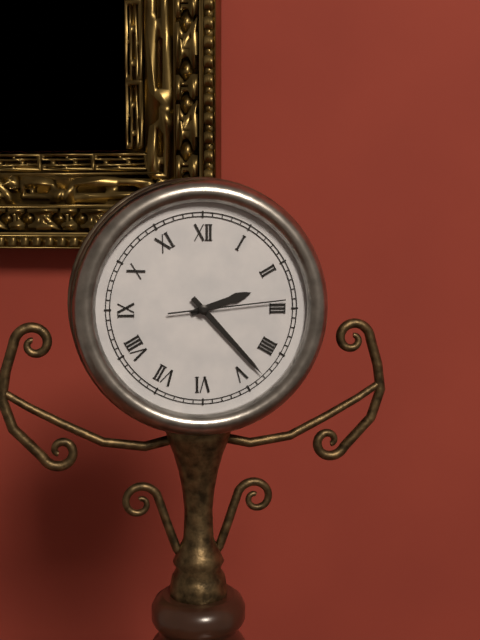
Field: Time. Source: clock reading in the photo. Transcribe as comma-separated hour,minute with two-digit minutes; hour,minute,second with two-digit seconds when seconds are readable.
2,23,14
